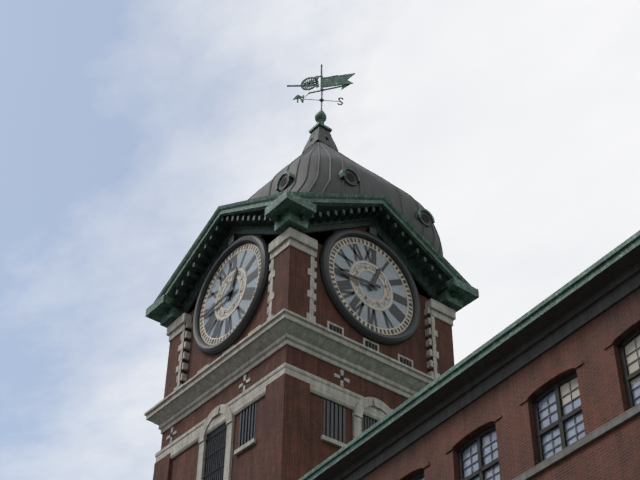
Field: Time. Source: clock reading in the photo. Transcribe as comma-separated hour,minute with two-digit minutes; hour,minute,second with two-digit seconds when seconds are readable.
12,44
